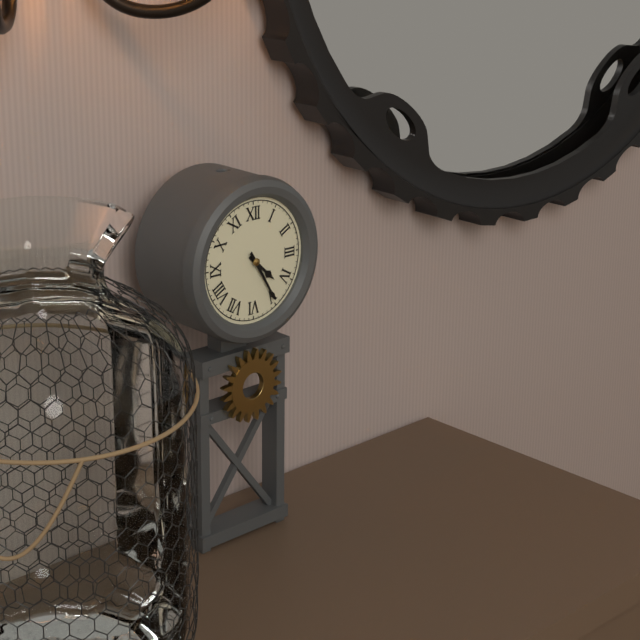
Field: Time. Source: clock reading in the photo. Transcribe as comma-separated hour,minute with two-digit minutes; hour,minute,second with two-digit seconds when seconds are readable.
4,25
